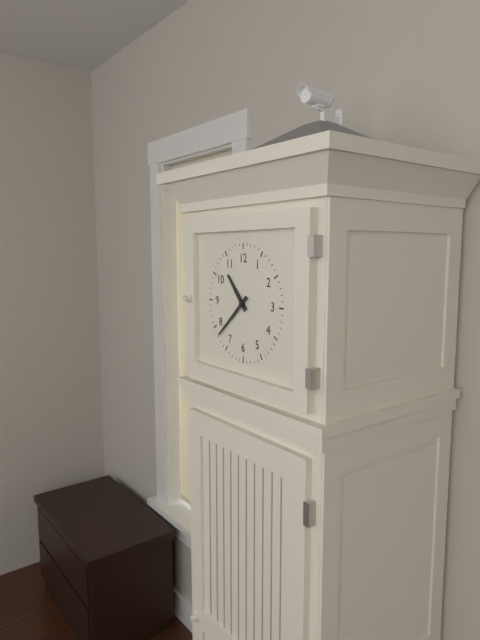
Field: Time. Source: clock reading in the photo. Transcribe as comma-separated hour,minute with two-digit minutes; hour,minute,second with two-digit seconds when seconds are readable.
10,38
